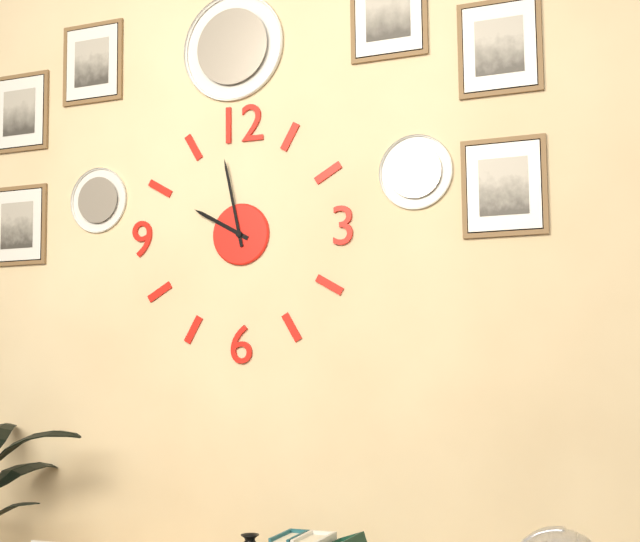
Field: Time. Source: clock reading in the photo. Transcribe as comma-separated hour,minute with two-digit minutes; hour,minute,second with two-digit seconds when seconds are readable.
9,58
